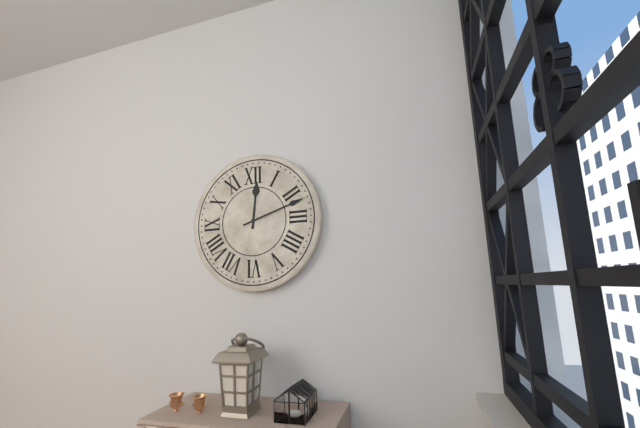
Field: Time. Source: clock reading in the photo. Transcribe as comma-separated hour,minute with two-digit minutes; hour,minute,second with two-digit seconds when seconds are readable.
12,12
